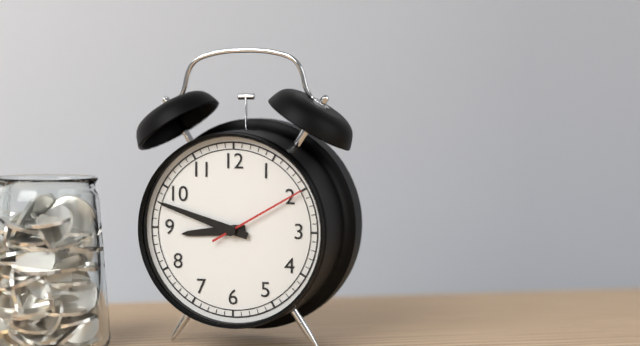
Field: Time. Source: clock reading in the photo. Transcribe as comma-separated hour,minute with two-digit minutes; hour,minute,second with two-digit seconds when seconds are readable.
8,48,10
